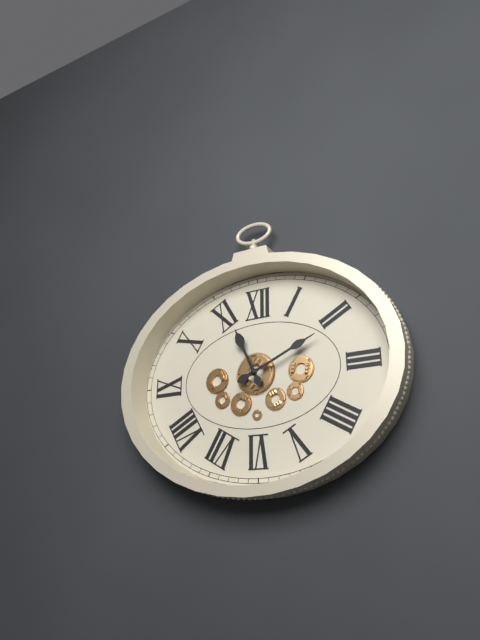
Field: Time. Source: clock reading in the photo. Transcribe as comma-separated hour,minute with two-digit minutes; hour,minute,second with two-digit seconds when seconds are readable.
11,11
